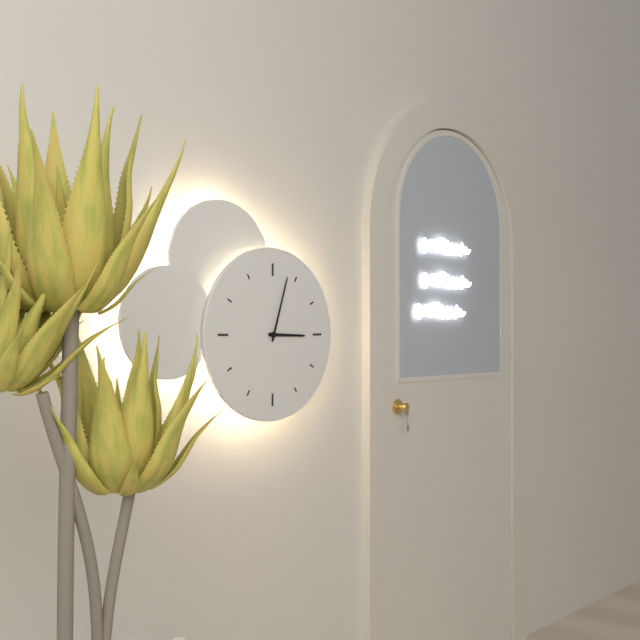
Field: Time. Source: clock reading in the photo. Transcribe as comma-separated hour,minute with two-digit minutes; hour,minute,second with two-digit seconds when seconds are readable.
3,03
